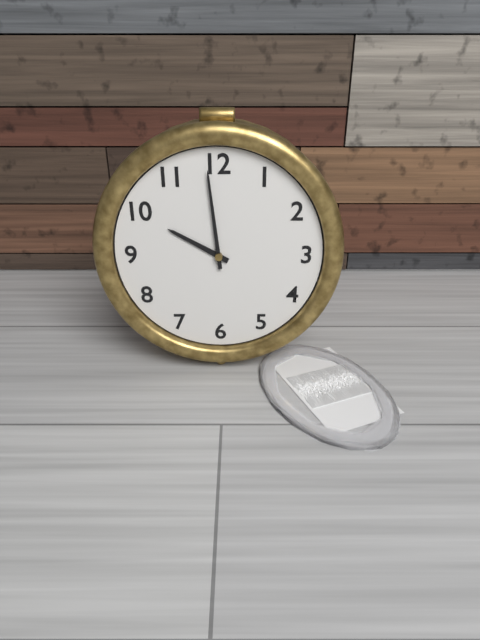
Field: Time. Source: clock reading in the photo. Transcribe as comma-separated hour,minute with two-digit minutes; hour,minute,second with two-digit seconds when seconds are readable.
9,59
